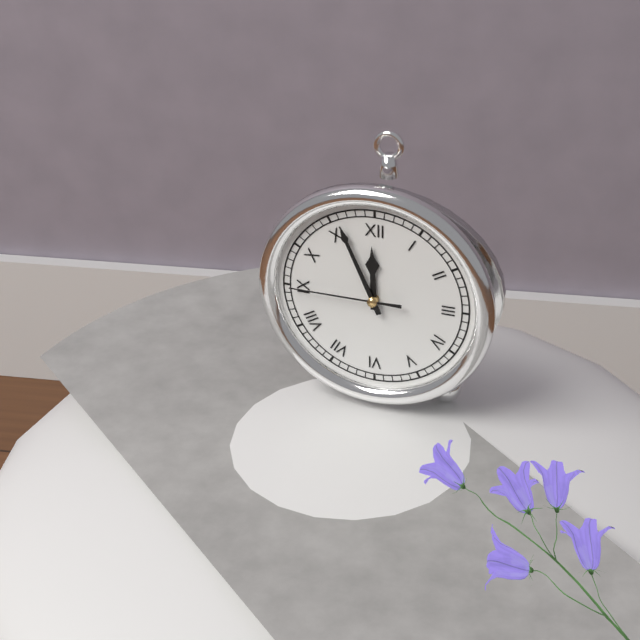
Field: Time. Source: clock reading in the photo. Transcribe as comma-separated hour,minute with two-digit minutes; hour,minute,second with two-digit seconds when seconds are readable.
11,56,45
